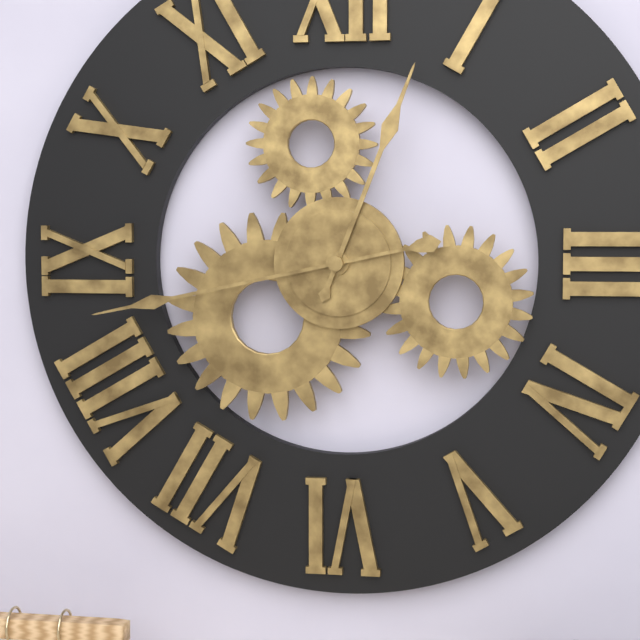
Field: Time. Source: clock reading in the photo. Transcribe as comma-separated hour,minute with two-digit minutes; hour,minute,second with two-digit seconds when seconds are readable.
12,43
